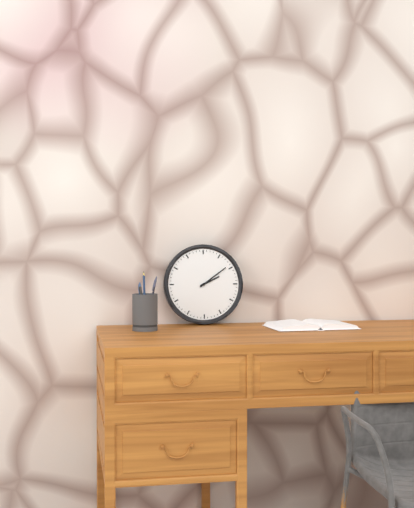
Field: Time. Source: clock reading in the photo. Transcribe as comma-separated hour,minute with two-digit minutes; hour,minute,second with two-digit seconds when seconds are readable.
2,09
